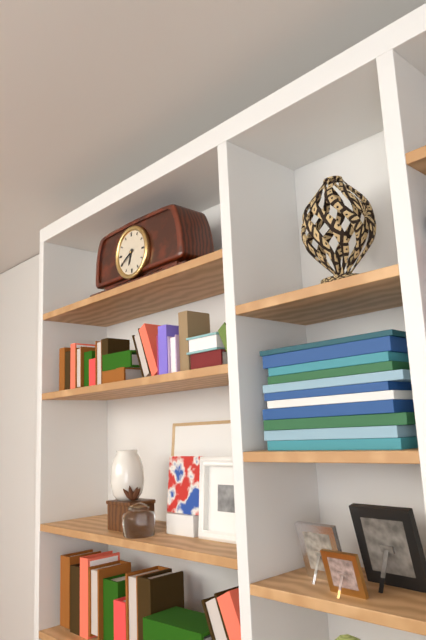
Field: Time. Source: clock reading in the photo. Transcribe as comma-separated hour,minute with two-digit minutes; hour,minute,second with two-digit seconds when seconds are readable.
6,40
